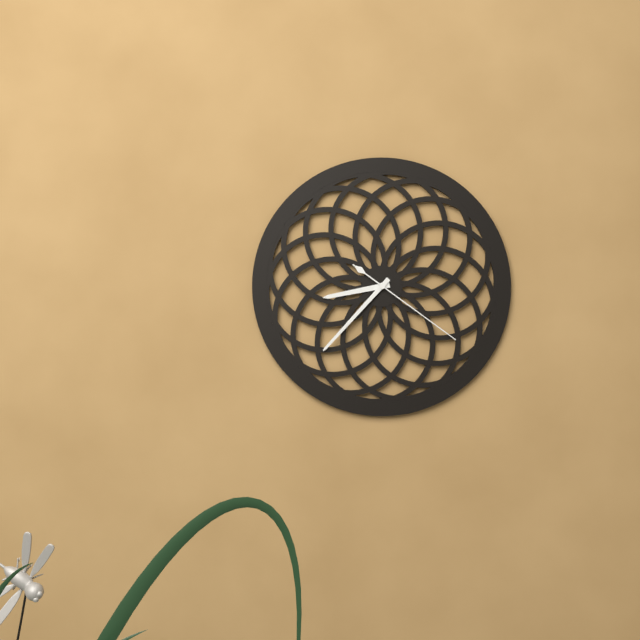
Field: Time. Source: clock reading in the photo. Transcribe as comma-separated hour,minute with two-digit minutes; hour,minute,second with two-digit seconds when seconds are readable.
8,37,21
